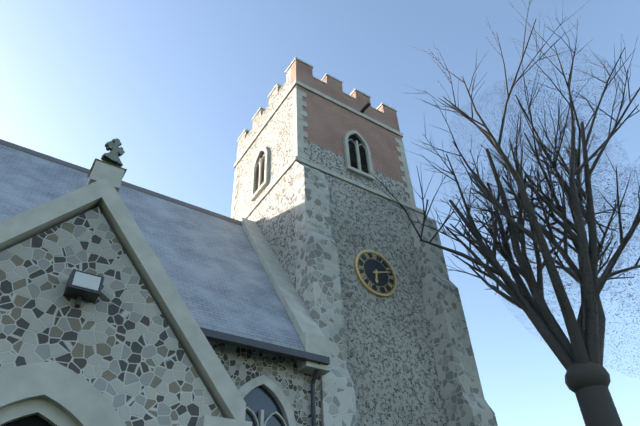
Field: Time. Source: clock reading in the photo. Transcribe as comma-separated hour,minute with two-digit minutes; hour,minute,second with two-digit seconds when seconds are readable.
6,12
